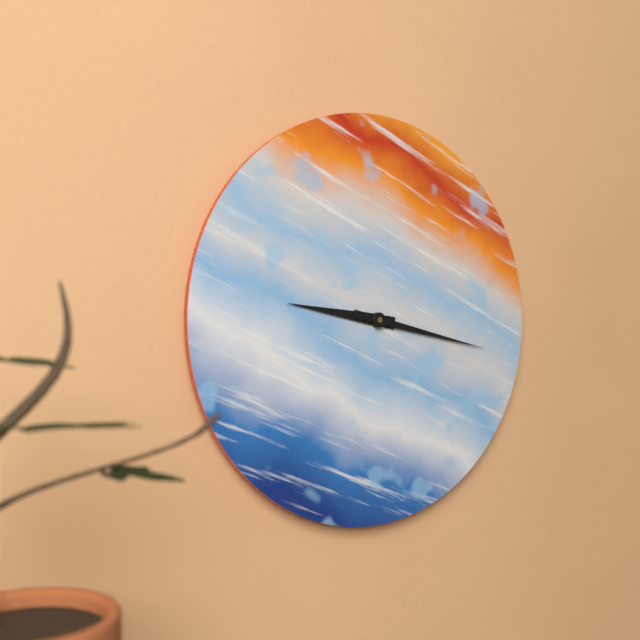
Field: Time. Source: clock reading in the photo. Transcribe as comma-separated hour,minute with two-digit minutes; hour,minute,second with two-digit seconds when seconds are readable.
9,17
